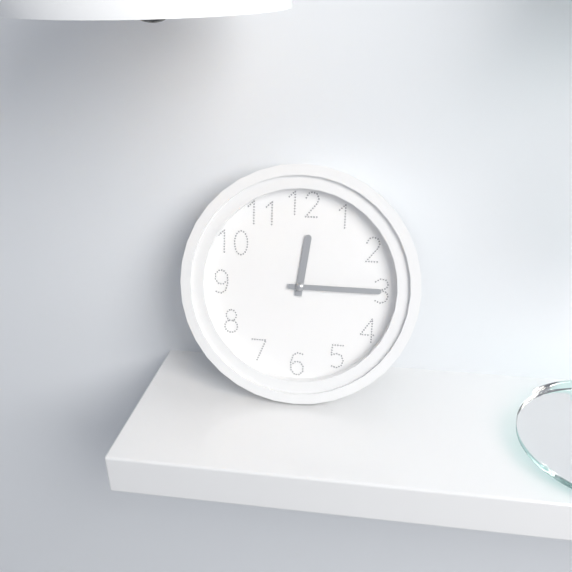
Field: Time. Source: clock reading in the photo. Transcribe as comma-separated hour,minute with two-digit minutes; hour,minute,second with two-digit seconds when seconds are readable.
12,15
